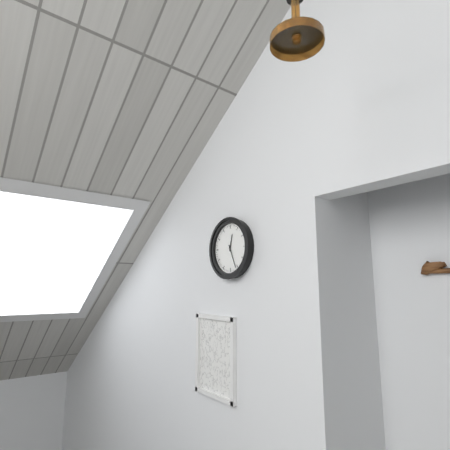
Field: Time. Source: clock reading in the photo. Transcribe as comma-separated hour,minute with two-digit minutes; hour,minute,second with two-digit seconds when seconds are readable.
12,26
